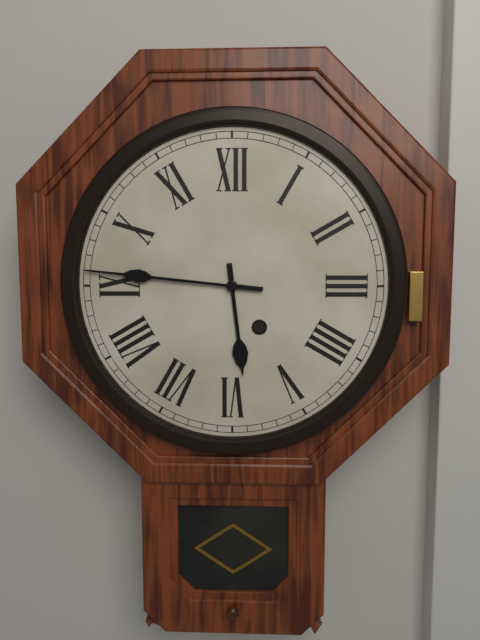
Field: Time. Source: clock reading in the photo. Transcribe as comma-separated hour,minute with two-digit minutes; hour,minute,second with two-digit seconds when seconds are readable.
5,46
